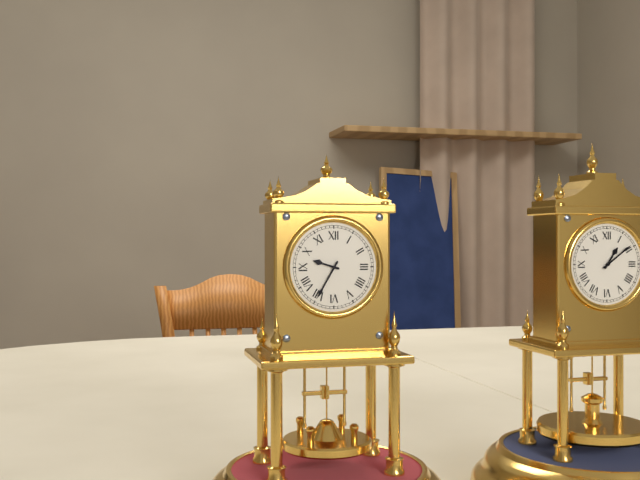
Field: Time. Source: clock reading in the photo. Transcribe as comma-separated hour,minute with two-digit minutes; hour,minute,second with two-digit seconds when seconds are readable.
9,35
